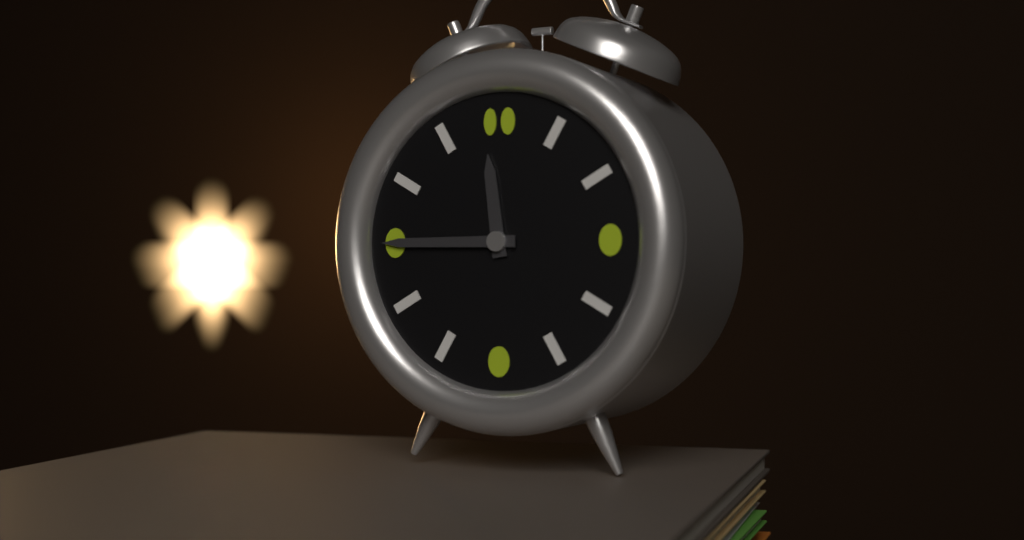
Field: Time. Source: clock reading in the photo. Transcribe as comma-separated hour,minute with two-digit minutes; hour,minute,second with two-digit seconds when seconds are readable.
11,45
